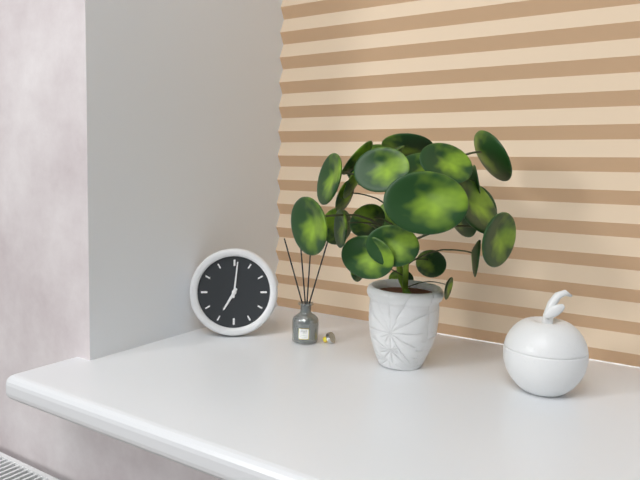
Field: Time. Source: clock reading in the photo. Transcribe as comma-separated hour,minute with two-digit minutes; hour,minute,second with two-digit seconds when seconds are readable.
7,01
